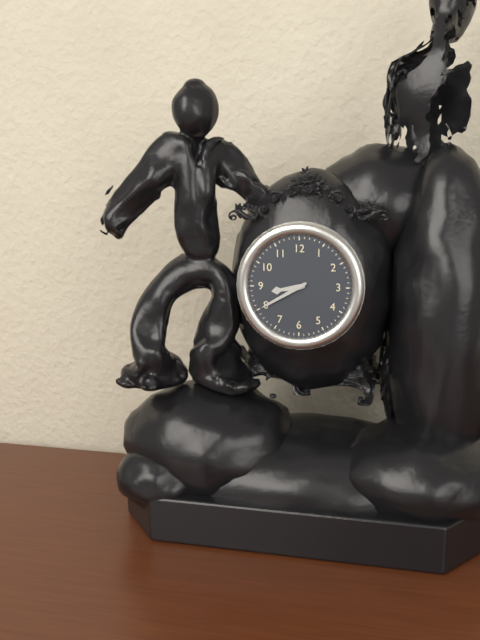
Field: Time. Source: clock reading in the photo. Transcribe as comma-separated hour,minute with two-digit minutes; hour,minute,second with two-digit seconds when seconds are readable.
8,40
